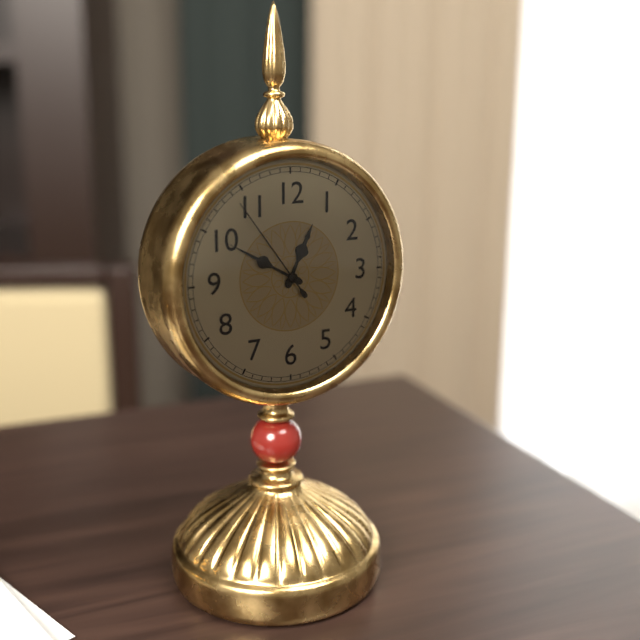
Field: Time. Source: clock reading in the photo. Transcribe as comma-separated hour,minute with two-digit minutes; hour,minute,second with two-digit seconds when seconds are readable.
12,50,54
